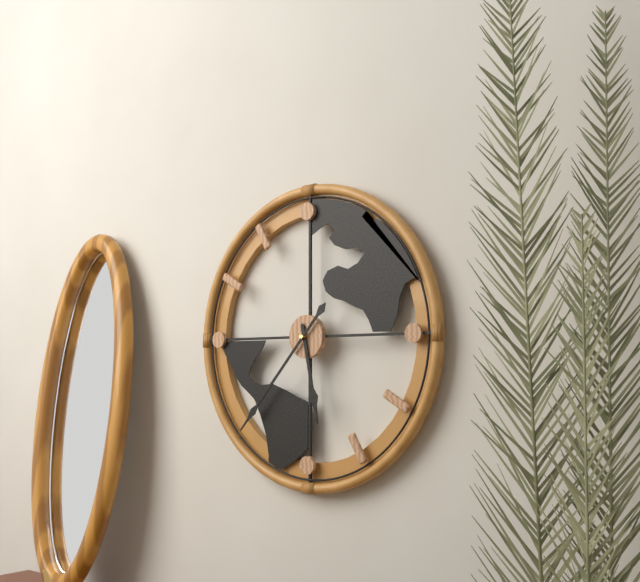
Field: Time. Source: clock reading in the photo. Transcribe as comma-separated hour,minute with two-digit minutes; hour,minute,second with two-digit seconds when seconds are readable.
5,37
